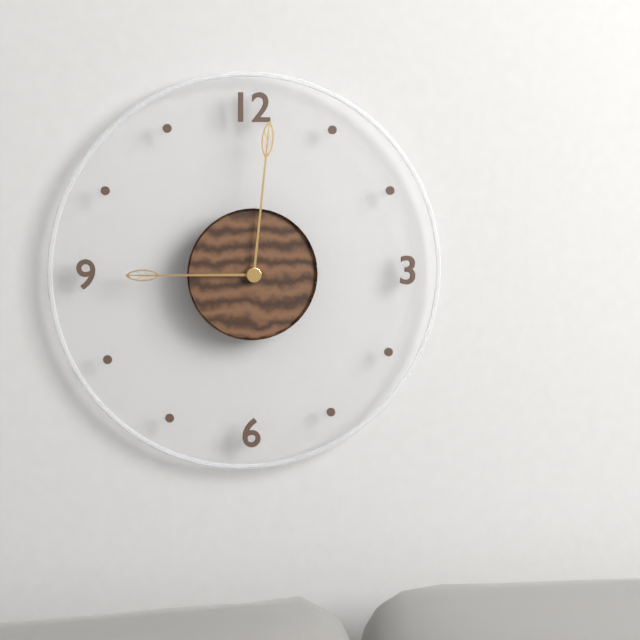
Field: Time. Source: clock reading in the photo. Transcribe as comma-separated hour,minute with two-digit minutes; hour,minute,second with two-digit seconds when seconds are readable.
9,01
